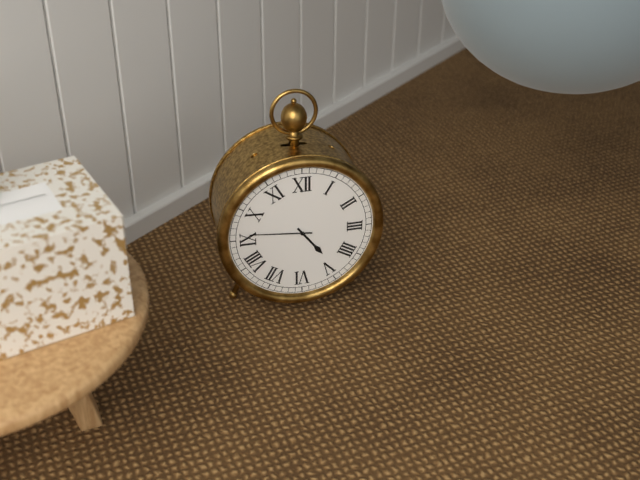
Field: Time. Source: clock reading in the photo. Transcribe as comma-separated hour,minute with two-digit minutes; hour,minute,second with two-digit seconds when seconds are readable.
4,46
